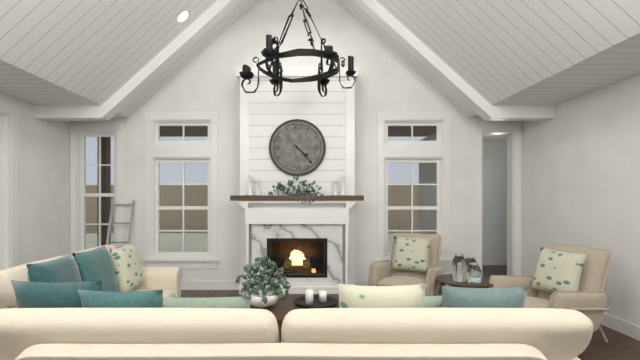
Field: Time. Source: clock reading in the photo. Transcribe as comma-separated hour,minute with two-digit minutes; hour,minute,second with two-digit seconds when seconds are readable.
4,23
